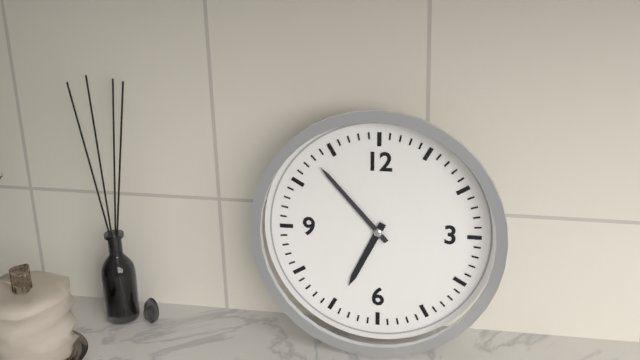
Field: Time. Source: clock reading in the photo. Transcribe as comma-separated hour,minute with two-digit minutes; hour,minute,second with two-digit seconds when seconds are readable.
6,53
